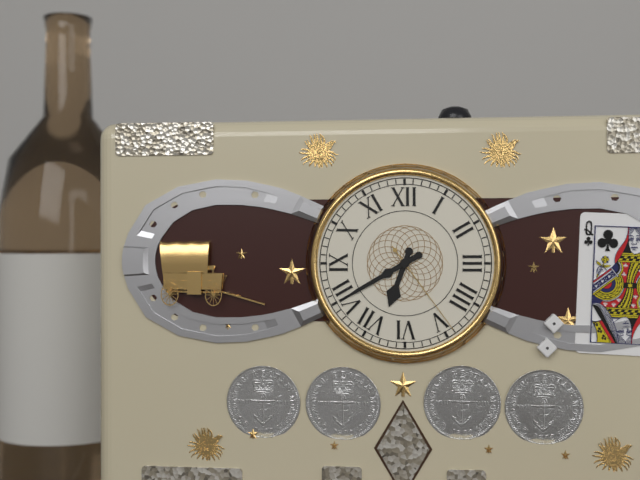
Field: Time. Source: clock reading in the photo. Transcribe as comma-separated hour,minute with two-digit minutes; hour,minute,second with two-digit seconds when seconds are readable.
6,40,24
